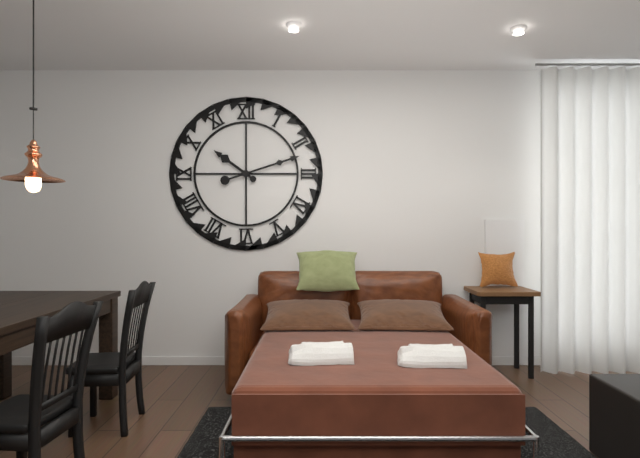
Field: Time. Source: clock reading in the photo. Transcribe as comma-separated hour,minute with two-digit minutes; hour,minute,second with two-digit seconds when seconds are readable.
10,12
